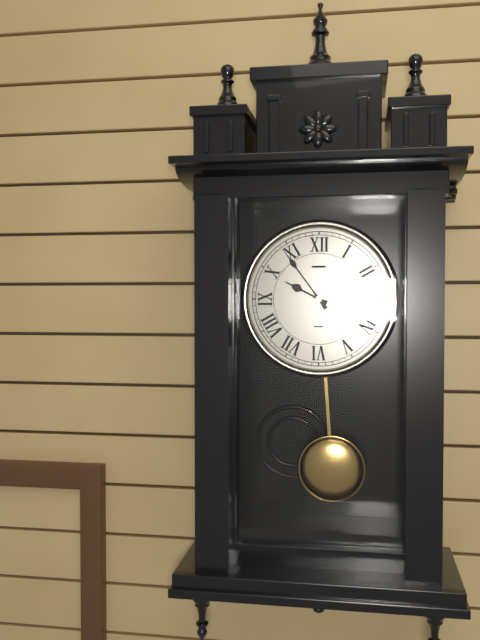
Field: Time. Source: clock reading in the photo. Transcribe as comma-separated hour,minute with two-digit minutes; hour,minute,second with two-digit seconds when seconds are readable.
9,54
